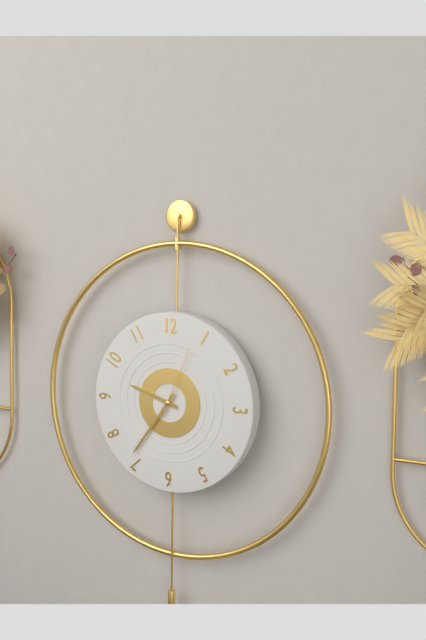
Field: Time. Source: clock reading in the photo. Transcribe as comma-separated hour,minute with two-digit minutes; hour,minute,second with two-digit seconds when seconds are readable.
9,36,04
